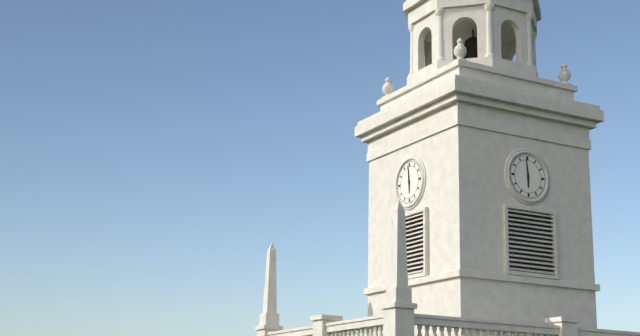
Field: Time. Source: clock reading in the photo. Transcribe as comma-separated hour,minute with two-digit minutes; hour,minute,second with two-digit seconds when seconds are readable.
5,59
